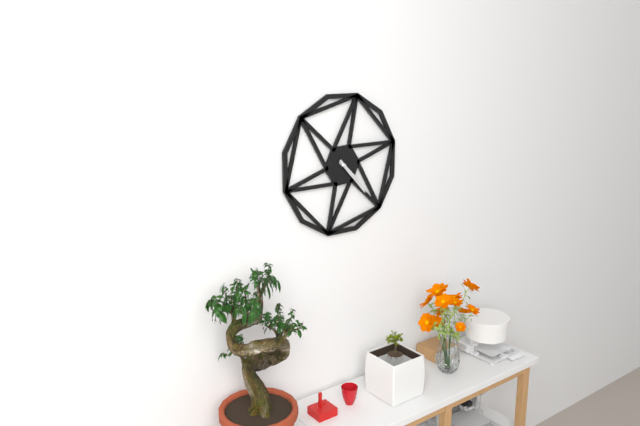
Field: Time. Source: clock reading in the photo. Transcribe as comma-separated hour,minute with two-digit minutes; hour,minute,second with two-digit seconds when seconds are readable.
4,23
